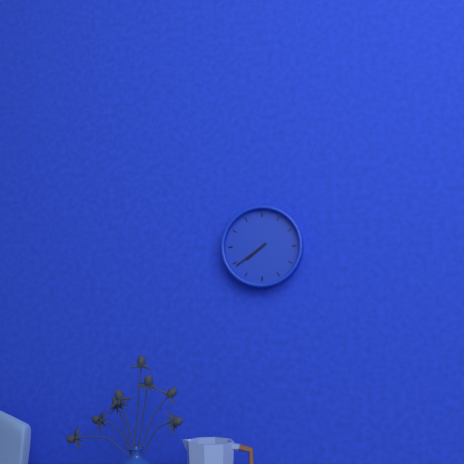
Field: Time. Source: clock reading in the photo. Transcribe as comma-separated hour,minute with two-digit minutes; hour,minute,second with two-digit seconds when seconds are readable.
7,39
